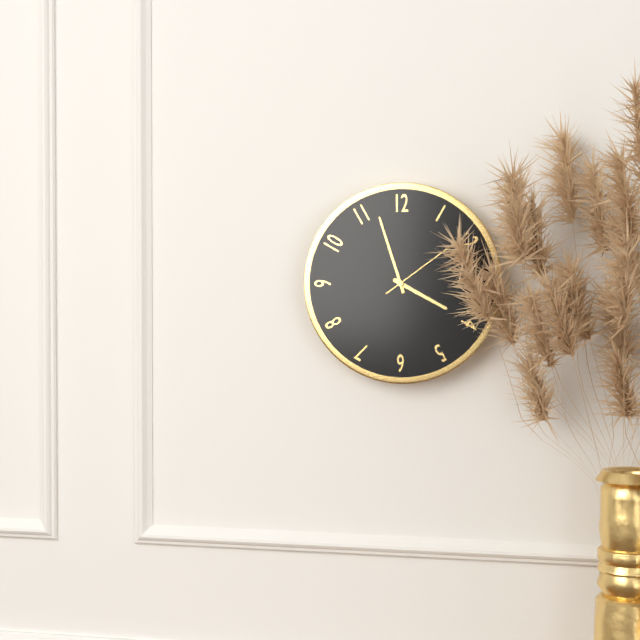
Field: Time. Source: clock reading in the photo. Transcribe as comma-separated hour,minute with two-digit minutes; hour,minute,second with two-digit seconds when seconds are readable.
3,57,09
